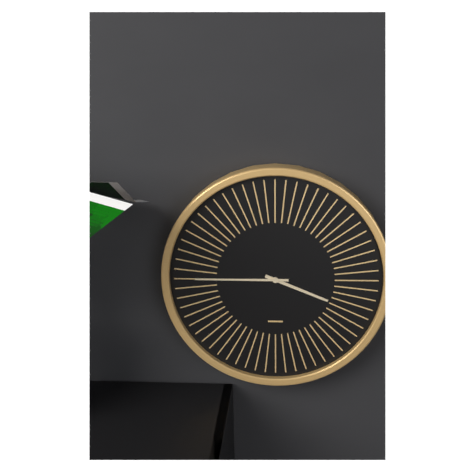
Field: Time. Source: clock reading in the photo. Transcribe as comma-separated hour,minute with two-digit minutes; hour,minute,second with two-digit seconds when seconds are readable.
3,45
